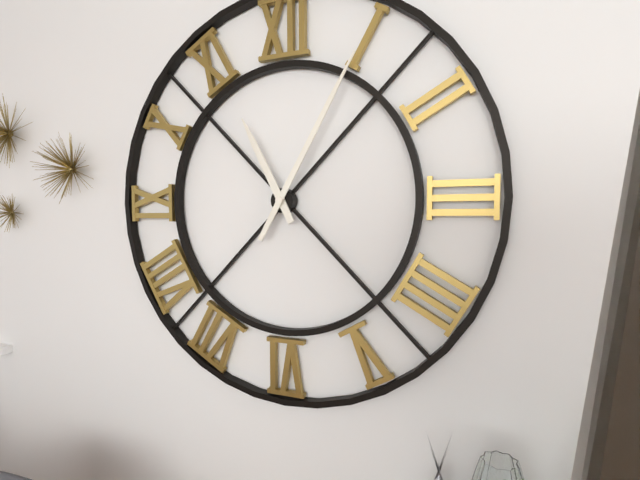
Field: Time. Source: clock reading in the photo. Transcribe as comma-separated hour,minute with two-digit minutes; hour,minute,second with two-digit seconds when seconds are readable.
11,05
